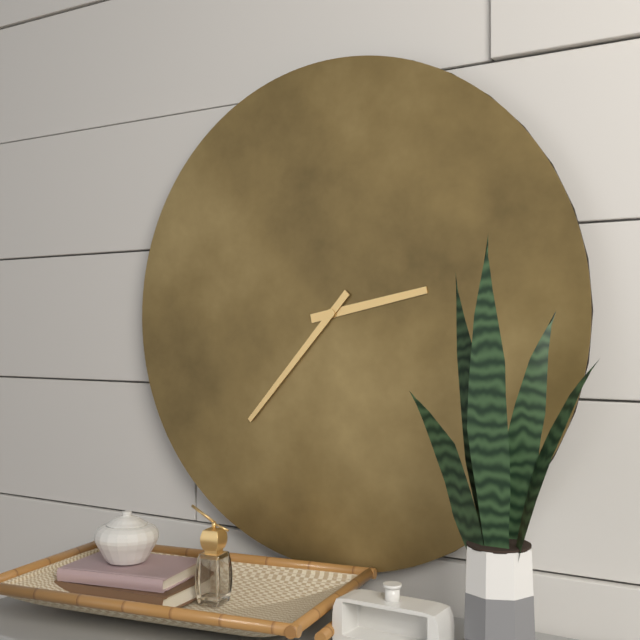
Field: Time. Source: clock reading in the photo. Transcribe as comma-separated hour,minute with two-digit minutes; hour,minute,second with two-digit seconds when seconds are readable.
2,37
